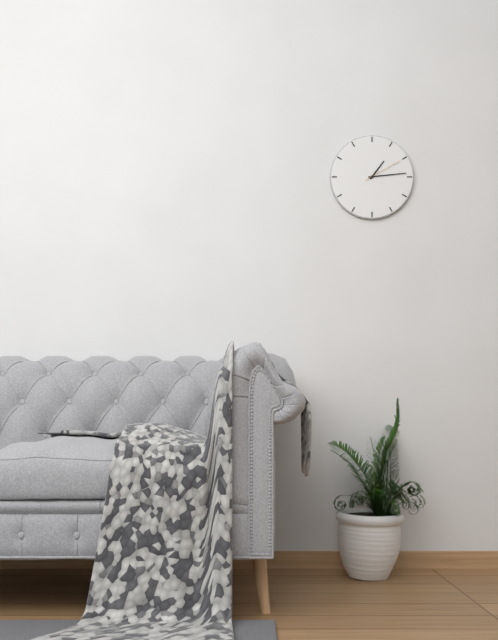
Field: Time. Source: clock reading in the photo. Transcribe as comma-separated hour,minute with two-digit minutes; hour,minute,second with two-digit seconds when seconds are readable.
1,14
